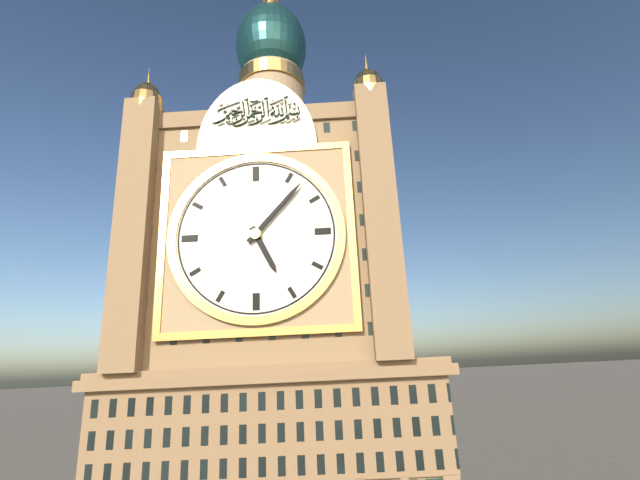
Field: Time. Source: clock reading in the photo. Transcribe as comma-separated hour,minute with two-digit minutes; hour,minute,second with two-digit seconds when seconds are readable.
5,07
